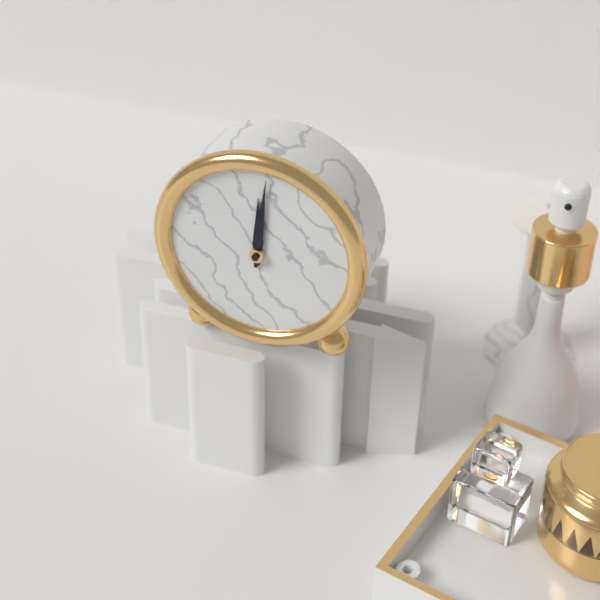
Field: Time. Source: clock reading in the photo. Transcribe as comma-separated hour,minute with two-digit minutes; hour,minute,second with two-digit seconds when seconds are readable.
12,01
